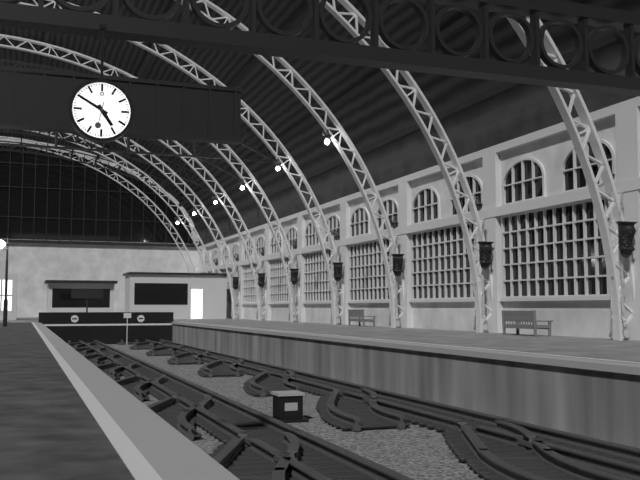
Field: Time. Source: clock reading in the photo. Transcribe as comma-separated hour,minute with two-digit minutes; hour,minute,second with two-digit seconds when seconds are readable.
4,50
